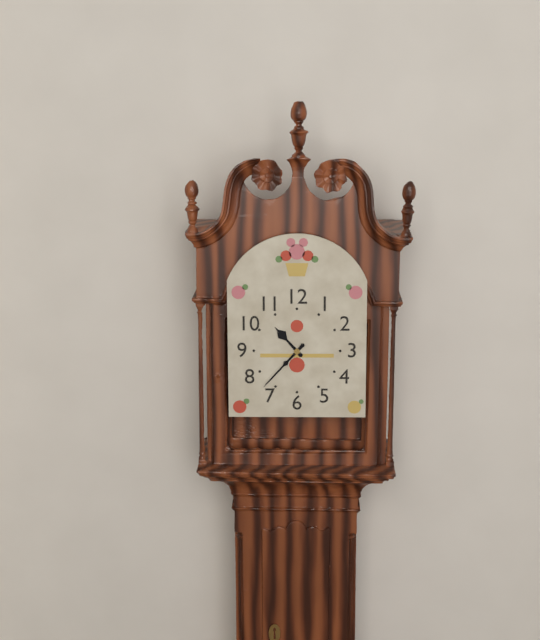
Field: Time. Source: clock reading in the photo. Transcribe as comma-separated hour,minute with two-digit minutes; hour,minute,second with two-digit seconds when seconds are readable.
10,37
